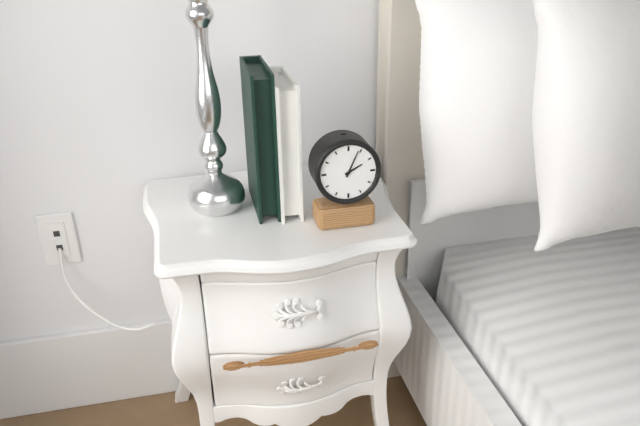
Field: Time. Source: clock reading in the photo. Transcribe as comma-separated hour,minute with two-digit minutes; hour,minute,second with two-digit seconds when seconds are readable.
2,04
